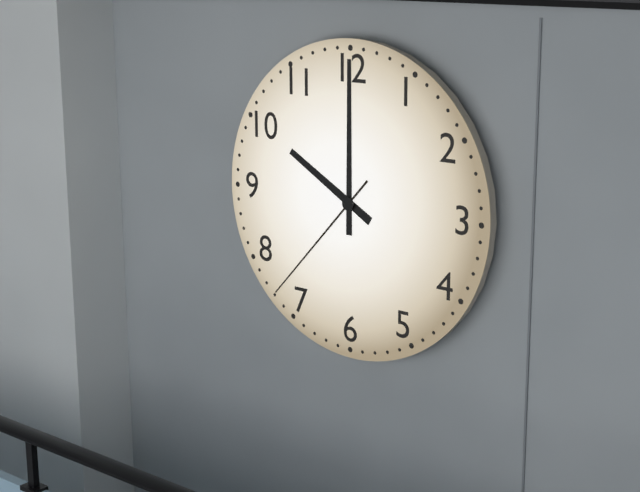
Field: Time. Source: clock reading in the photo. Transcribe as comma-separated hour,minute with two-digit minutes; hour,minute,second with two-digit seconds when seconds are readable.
10,00,37
